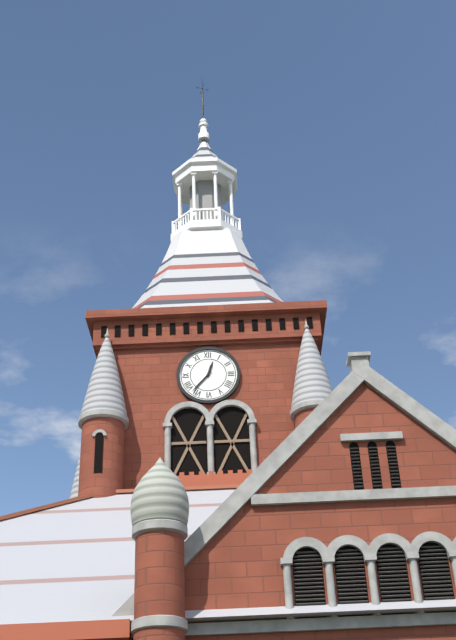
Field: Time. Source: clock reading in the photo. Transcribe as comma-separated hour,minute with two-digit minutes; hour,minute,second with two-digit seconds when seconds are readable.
12,37
